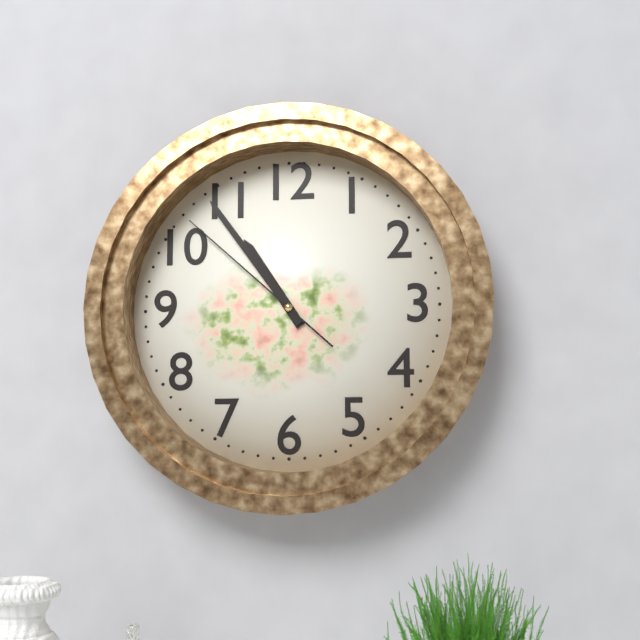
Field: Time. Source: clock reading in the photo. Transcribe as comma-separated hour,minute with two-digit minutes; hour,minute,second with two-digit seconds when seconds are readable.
10,54,52
